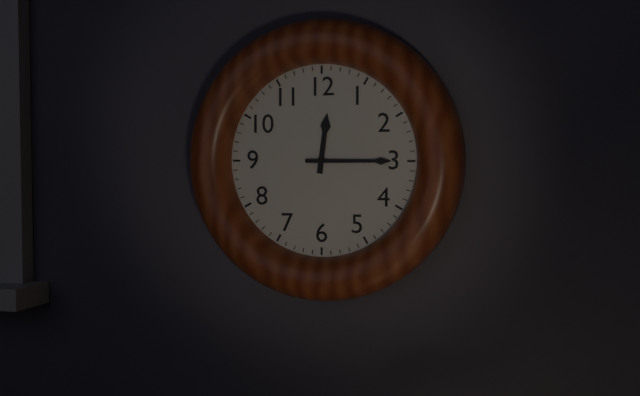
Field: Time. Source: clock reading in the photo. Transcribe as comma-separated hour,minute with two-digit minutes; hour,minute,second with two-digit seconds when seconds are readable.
12,15
